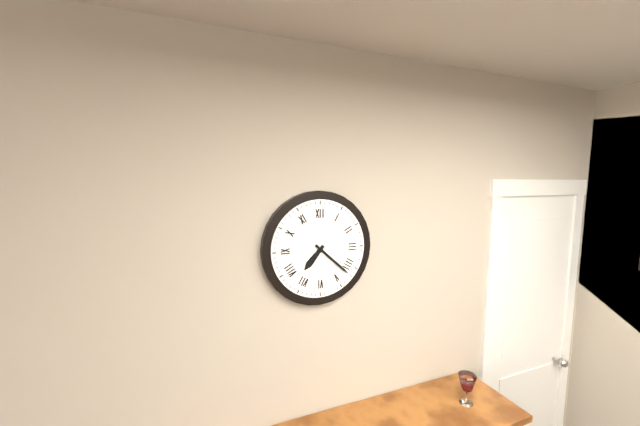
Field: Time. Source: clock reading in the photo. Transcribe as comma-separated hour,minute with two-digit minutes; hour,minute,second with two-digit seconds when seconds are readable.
7,22
